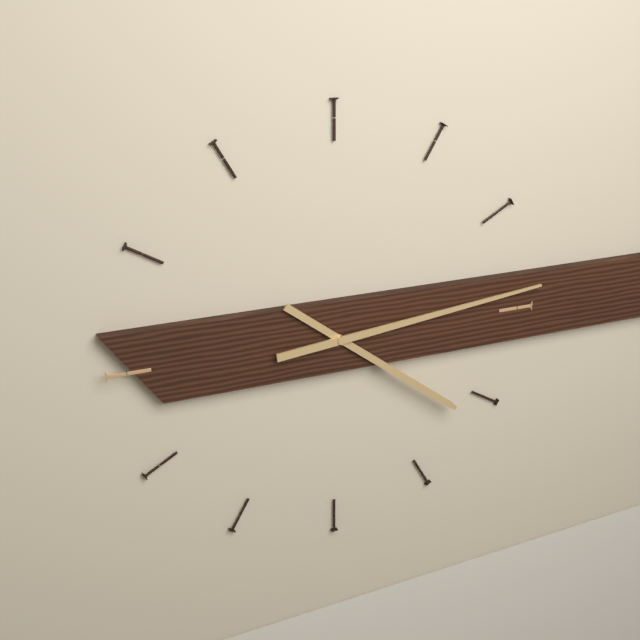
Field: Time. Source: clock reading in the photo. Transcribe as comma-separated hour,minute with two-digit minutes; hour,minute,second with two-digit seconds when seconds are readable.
4,14
